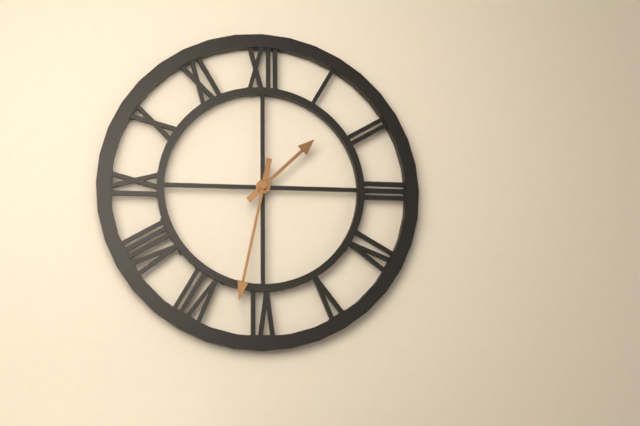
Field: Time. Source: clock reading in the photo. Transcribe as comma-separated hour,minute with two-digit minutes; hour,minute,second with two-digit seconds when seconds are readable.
1,32
